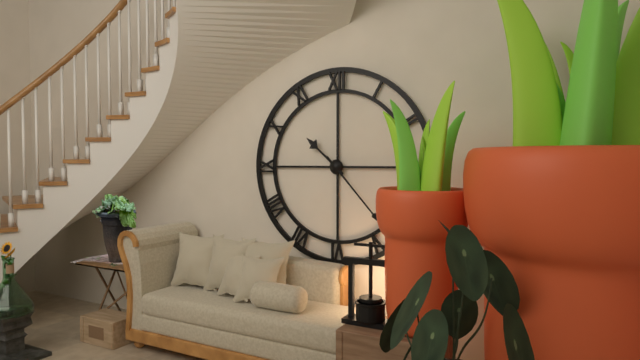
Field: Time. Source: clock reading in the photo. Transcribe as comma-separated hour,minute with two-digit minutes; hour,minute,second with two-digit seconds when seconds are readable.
10,23
